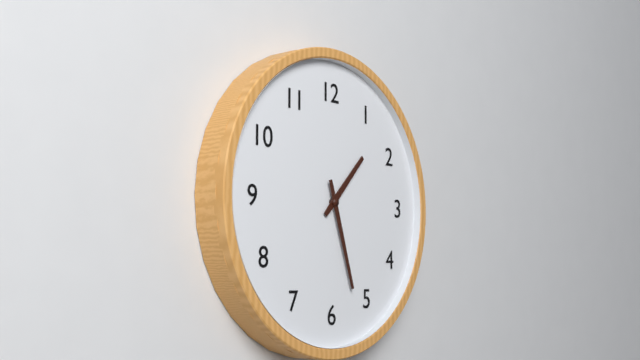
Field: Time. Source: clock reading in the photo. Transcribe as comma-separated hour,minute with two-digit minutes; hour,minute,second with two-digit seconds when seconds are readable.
1,27
